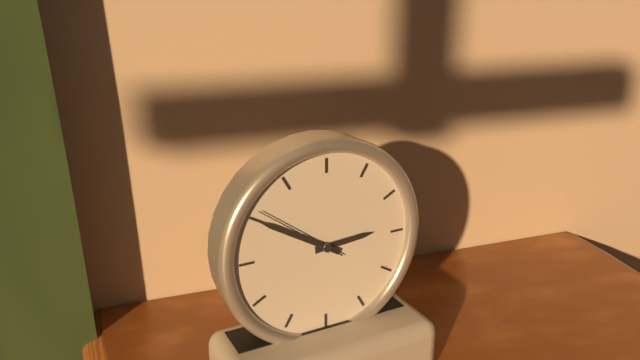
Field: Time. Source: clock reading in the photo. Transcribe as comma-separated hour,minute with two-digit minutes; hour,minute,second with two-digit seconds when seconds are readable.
2,50,51
